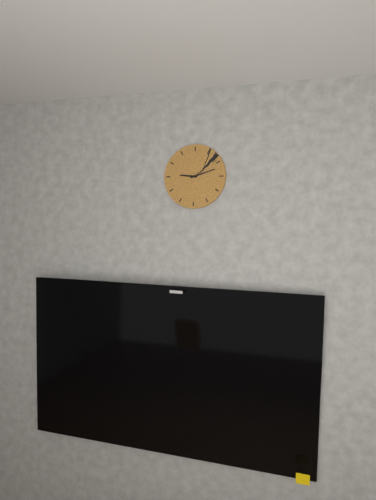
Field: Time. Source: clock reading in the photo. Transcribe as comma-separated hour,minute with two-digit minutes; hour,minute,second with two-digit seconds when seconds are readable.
9,12
